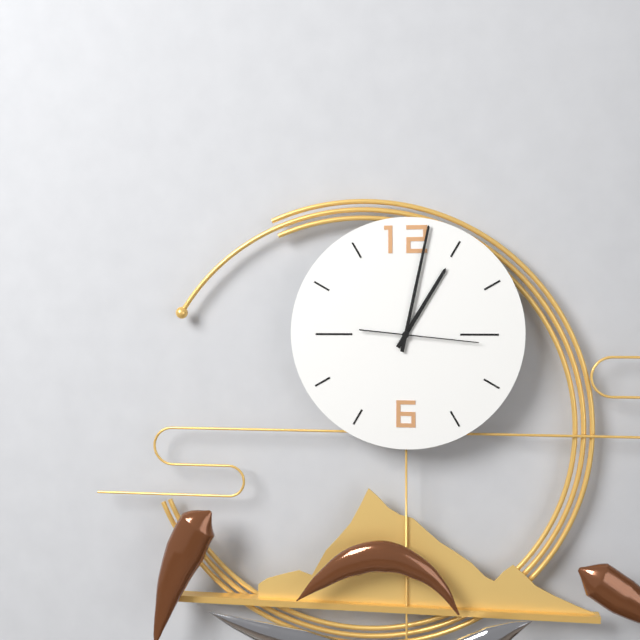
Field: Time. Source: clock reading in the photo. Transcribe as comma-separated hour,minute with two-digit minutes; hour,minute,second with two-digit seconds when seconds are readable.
1,02,16
